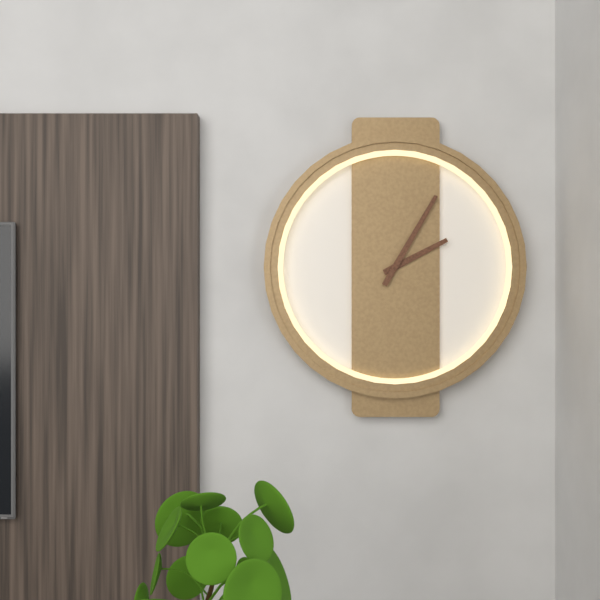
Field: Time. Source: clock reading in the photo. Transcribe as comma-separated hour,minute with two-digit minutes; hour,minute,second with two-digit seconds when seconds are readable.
2,05
